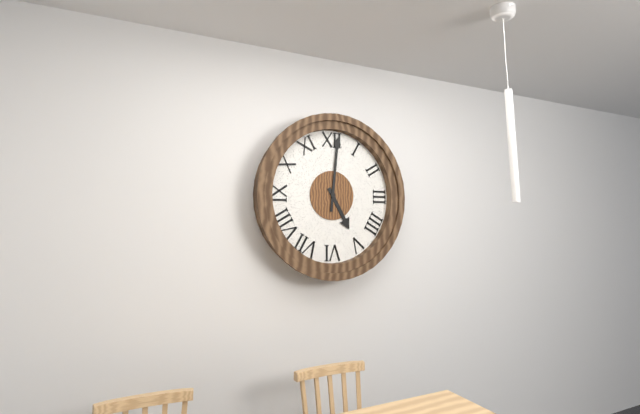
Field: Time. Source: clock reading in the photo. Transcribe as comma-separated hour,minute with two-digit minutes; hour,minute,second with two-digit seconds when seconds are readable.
5,01
